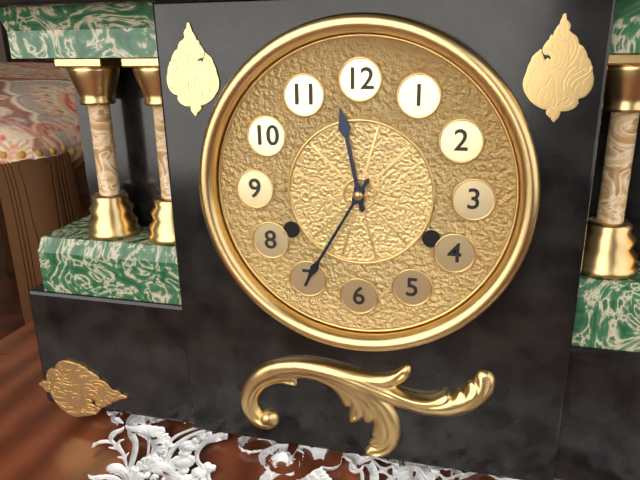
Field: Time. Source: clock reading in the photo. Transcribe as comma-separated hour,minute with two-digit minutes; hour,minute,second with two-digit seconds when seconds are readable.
11,35
